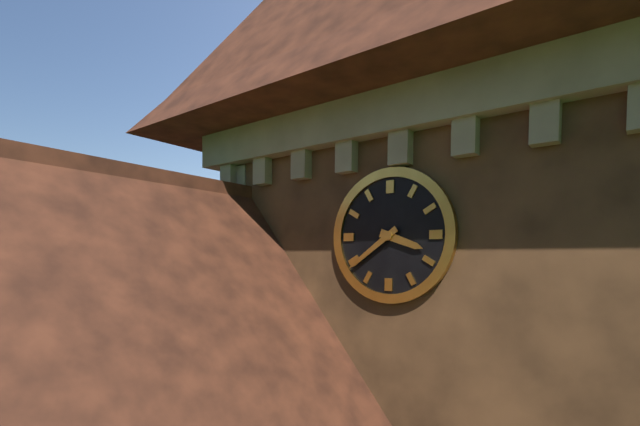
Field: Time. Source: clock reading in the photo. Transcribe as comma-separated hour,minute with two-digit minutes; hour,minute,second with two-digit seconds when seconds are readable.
3,39
